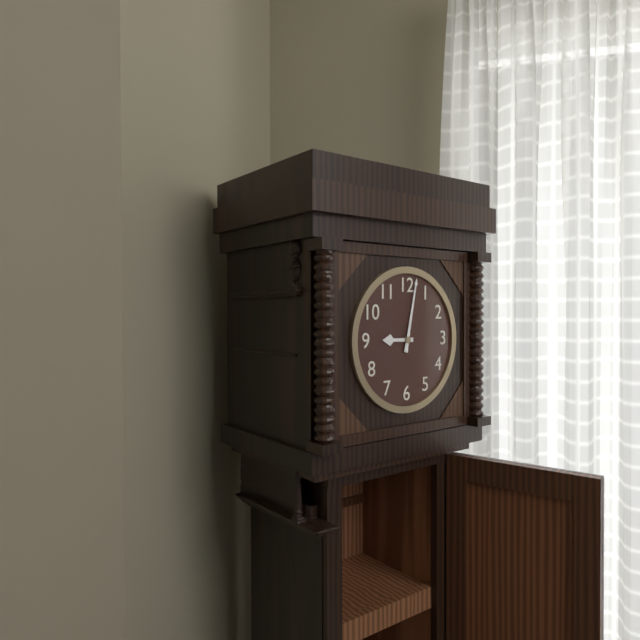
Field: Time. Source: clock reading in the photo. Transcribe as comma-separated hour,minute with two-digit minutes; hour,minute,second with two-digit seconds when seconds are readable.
9,02
